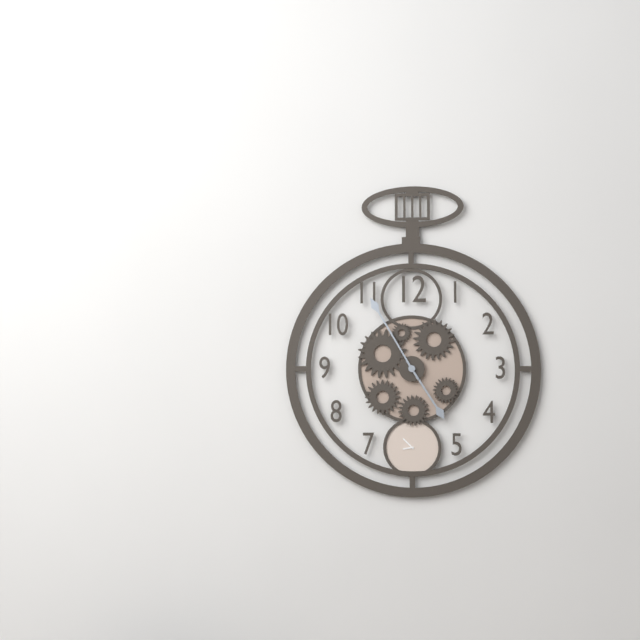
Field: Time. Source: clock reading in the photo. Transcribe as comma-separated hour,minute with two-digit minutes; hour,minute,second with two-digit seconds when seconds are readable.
4,55
